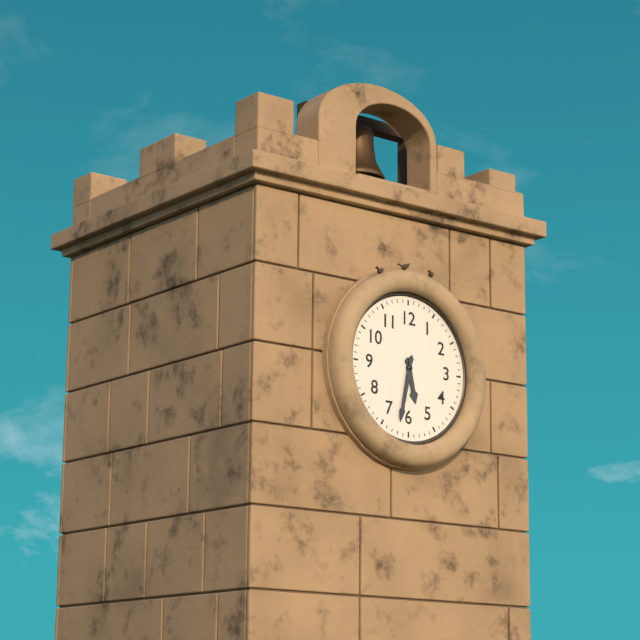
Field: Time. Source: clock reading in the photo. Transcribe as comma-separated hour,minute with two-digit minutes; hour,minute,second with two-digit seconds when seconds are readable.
5,32
